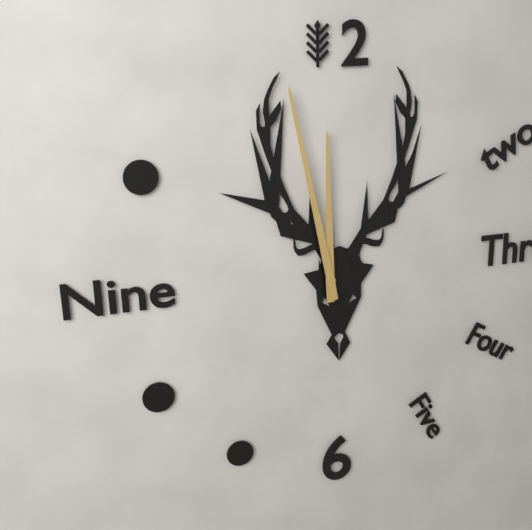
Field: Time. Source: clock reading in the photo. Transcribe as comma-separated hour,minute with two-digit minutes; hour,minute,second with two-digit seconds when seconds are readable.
11,58
